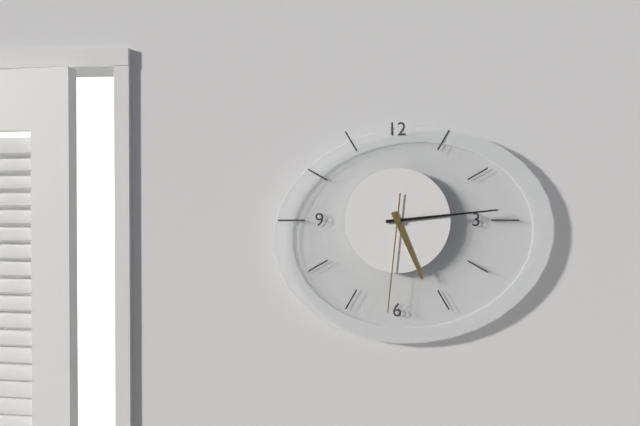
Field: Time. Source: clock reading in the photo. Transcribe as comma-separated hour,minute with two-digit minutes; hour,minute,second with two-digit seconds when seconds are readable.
5,14,31
